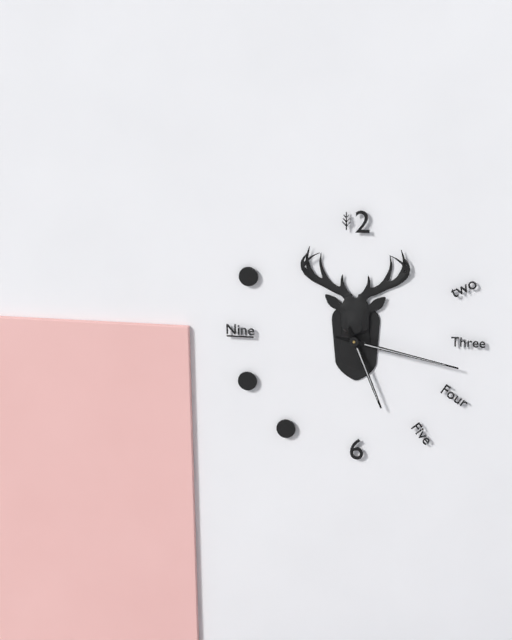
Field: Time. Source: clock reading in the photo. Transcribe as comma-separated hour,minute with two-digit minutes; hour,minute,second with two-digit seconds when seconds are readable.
5,17
